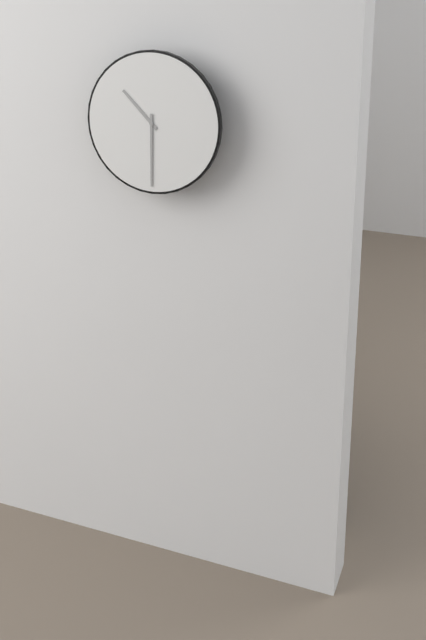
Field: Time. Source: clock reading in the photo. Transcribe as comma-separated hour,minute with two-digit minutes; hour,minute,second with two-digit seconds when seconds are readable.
10,30
